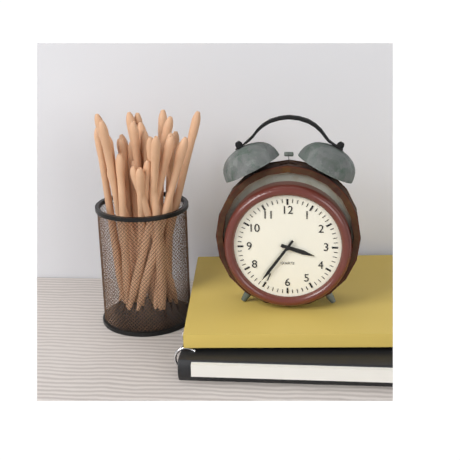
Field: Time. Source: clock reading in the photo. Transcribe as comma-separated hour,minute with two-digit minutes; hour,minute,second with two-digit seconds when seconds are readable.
3,36
